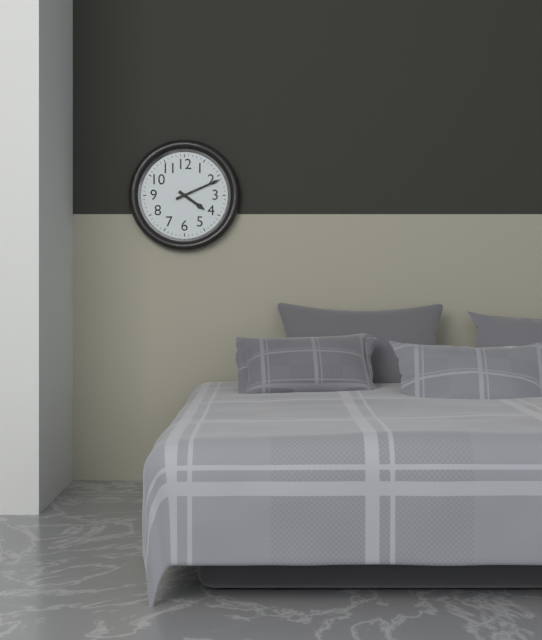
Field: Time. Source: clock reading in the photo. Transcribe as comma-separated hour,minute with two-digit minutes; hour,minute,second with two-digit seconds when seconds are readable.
4,11
